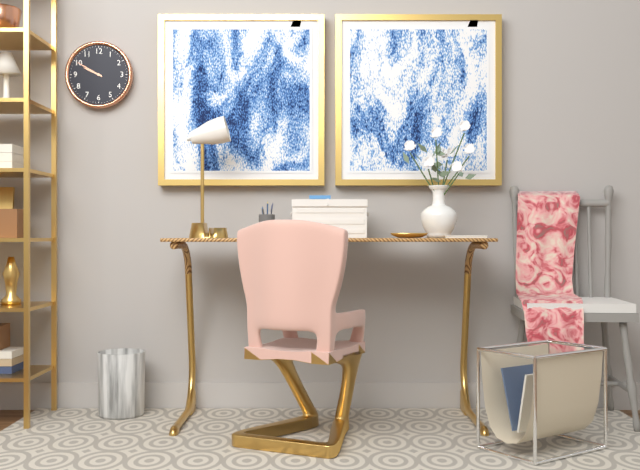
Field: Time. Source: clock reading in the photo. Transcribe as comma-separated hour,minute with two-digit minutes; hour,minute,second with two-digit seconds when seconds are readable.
9,50
